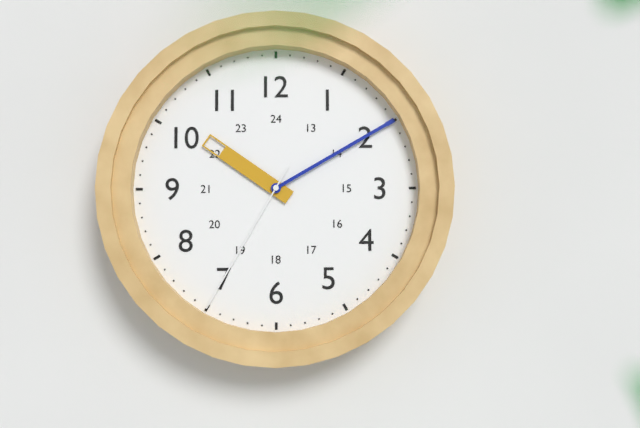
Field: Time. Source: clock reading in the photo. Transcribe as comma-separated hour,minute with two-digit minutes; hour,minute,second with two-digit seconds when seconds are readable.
10,10,35
